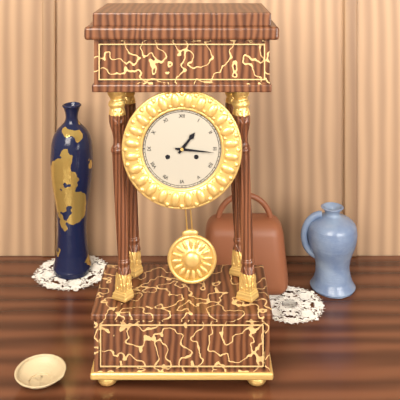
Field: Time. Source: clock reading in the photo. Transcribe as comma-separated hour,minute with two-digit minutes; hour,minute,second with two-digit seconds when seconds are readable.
1,16
